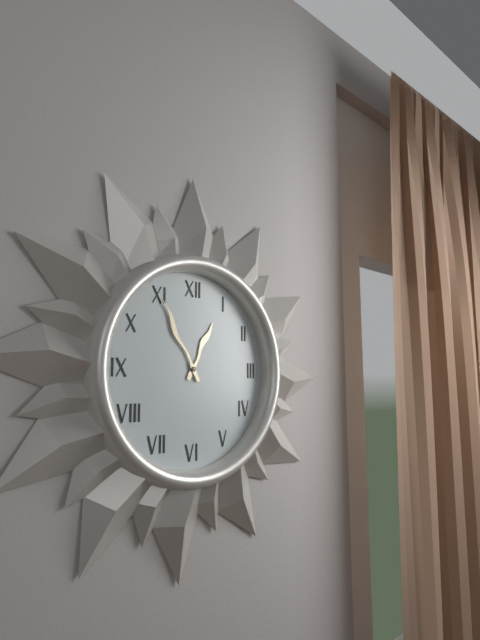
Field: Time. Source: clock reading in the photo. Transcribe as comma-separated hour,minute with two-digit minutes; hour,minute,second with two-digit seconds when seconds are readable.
12,55
